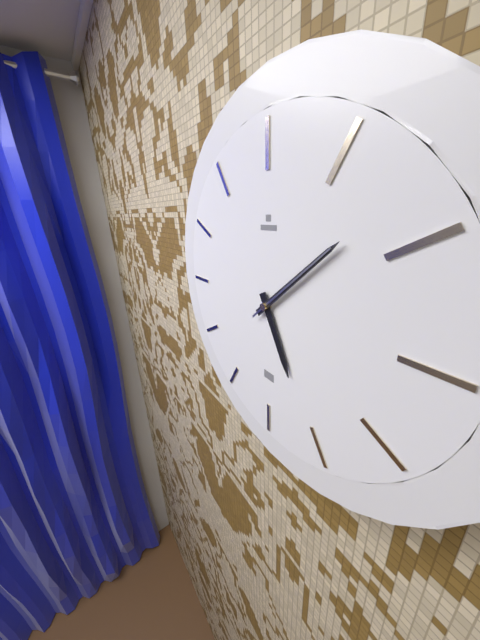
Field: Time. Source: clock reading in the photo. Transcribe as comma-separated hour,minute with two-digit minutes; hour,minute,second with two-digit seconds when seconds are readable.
5,08,08
